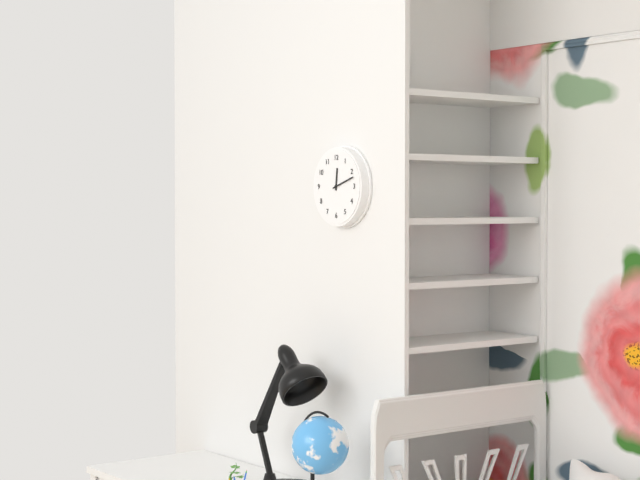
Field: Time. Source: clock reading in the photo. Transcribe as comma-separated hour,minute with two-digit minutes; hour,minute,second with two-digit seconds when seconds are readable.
12,12
